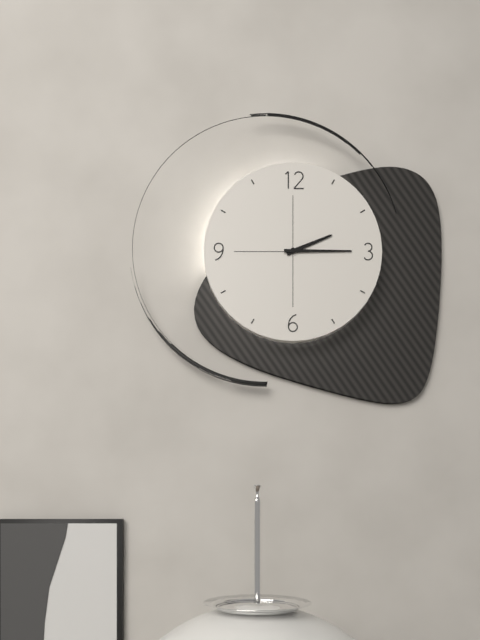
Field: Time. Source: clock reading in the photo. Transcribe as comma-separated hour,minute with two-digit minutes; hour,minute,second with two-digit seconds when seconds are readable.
2,15
